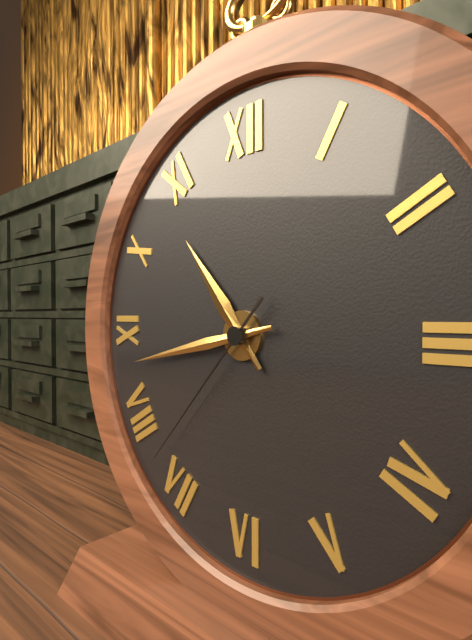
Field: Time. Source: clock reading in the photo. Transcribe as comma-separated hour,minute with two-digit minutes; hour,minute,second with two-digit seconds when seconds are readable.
10,43,37
